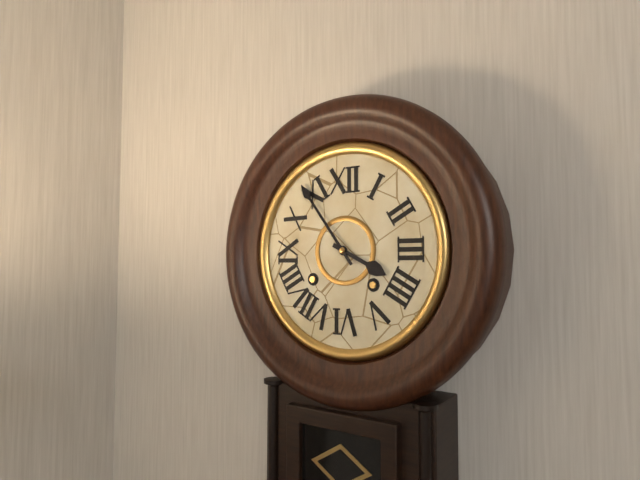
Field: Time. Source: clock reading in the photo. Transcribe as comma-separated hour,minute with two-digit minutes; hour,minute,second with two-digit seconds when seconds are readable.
3,54
